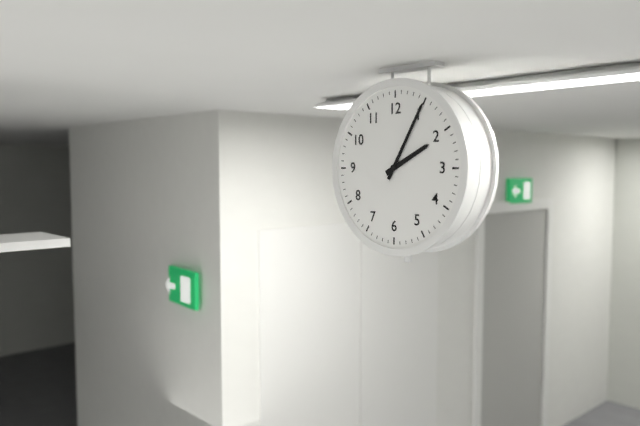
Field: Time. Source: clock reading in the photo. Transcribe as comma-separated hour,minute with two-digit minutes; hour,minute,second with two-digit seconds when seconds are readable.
2,05
